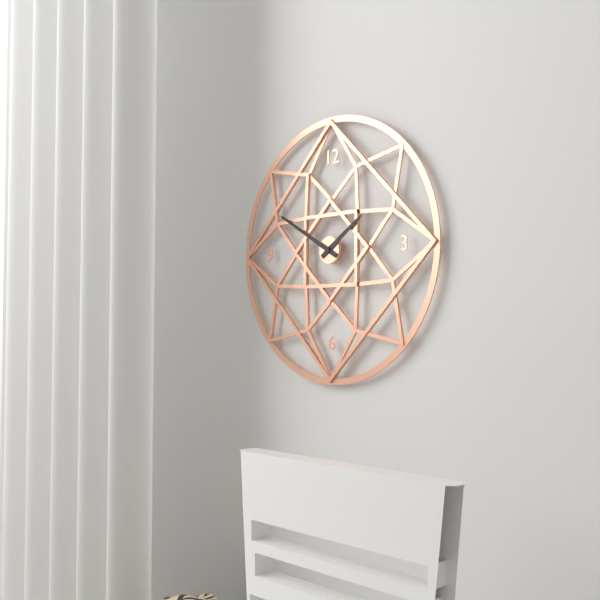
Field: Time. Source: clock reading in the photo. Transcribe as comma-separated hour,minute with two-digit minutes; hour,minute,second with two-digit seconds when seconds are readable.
1,50
